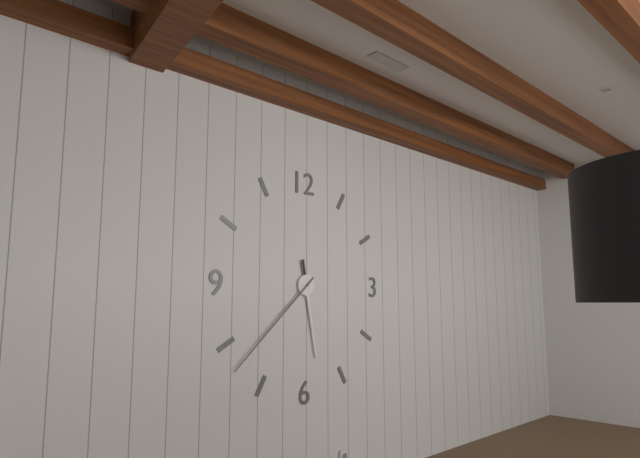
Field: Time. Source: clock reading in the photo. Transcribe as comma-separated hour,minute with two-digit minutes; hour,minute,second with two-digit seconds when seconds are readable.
5,38
